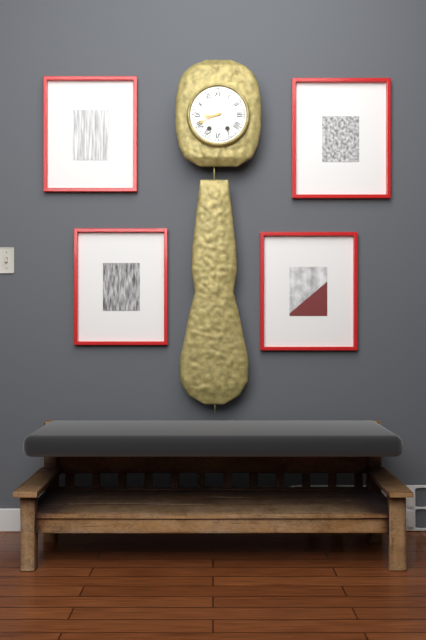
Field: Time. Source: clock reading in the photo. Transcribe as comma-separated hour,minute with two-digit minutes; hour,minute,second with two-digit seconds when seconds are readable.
8,41
